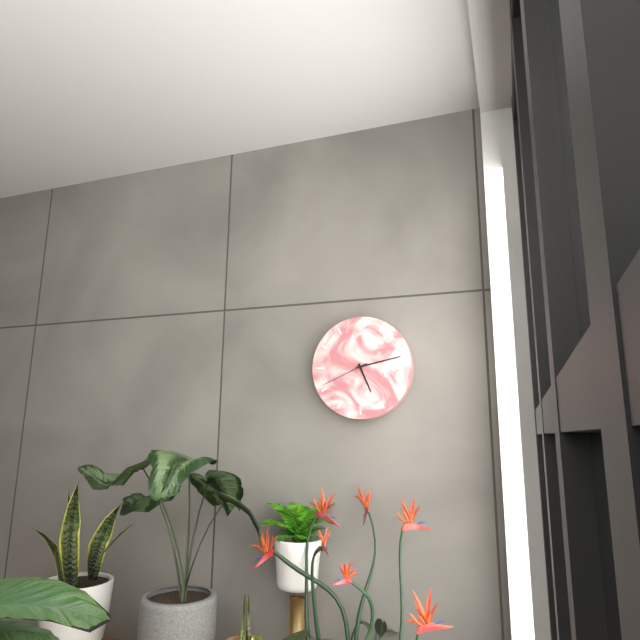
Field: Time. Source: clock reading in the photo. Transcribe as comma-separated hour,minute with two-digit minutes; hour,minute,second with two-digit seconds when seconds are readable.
5,13,41
